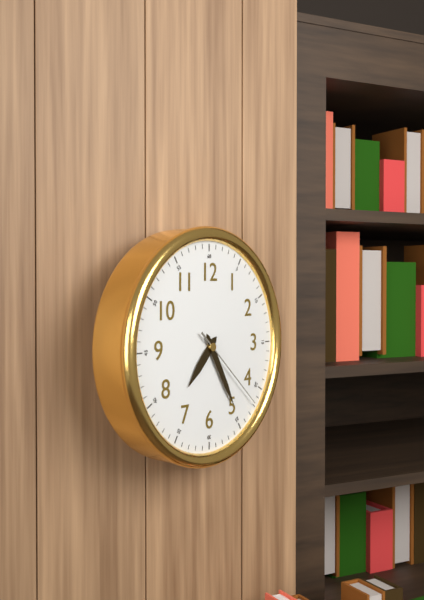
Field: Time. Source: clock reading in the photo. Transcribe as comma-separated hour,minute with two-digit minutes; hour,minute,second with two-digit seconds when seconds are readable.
7,25,22
